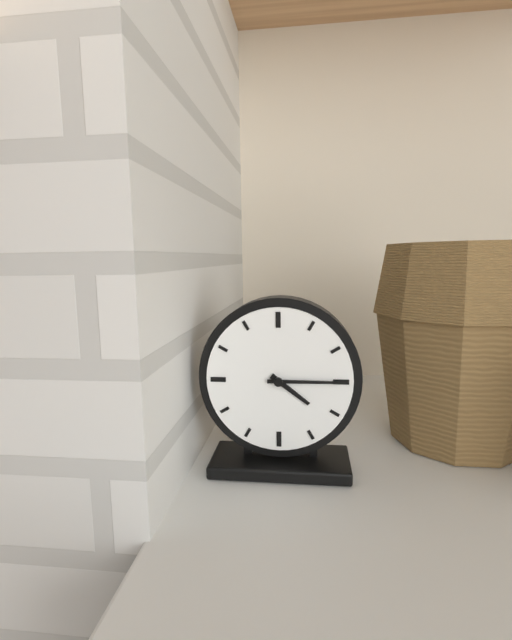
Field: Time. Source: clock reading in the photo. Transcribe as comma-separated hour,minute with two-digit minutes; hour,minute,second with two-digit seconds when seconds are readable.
4,15
